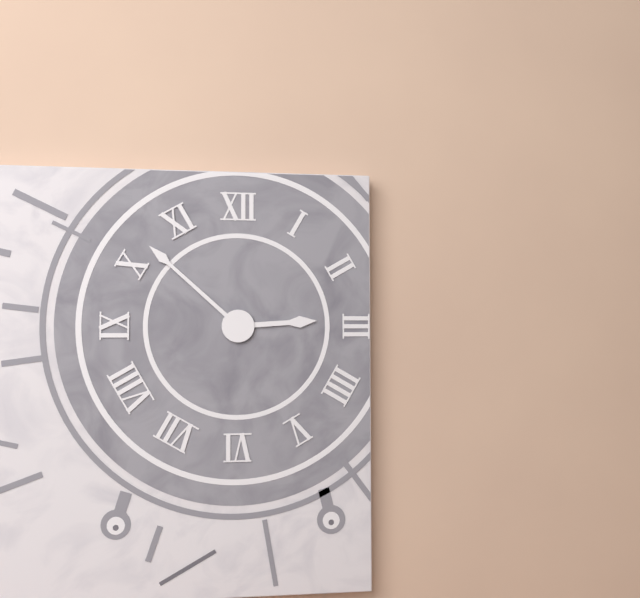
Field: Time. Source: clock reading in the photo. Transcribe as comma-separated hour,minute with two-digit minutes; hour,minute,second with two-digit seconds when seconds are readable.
2,52
